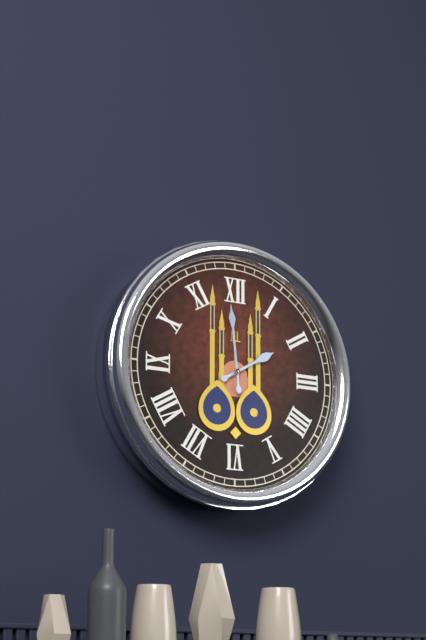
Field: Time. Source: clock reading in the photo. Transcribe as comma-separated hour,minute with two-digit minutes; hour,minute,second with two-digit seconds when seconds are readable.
1,59
